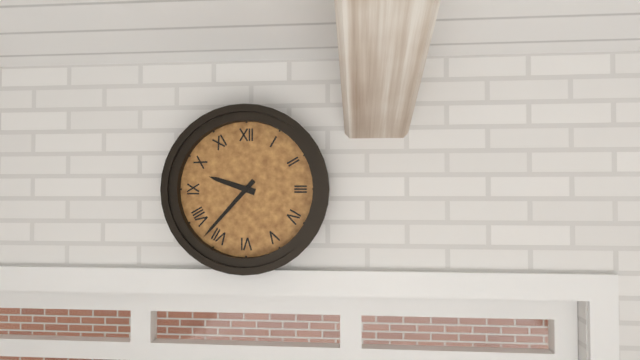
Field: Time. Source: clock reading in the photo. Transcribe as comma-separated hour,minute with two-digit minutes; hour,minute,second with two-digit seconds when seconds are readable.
9,37
